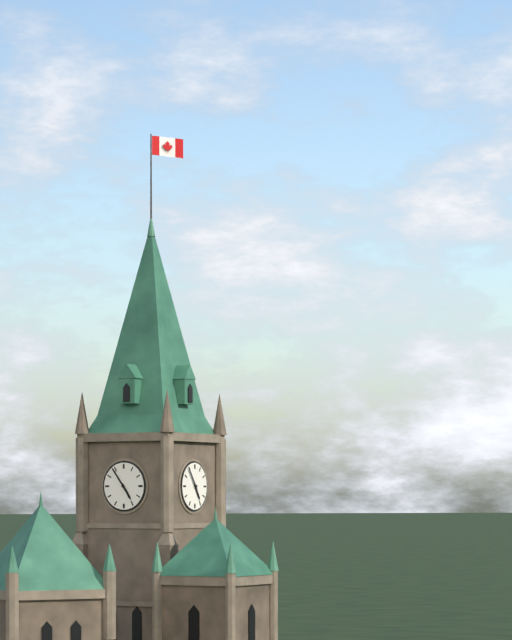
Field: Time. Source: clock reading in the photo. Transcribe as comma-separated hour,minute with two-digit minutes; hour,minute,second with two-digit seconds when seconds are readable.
4,54
